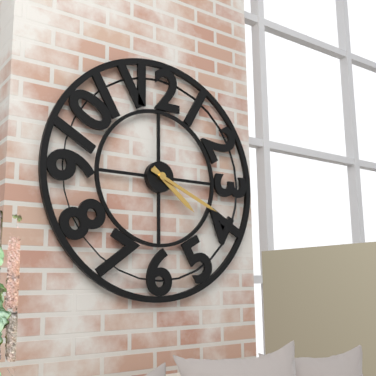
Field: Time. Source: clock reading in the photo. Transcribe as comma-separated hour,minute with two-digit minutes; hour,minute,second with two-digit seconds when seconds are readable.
4,19
